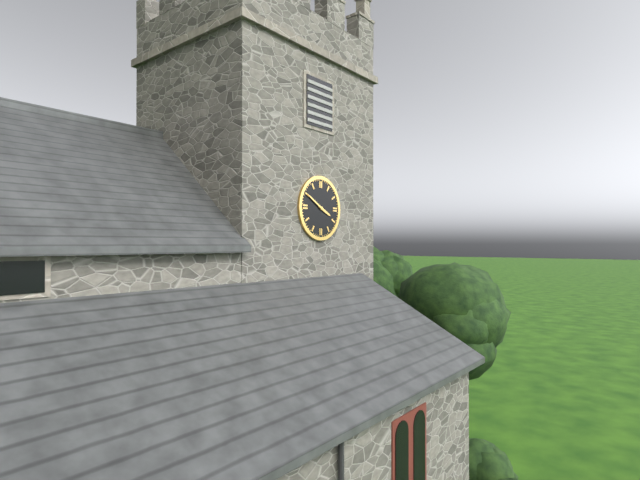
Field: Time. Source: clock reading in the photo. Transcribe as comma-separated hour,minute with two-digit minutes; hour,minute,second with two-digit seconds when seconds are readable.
3,50
